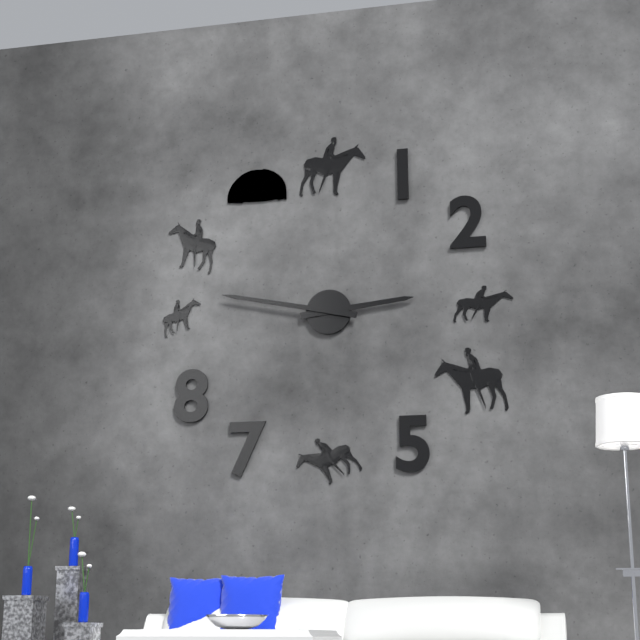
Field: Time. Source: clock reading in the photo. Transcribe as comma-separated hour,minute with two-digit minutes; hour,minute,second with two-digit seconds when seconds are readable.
2,47
